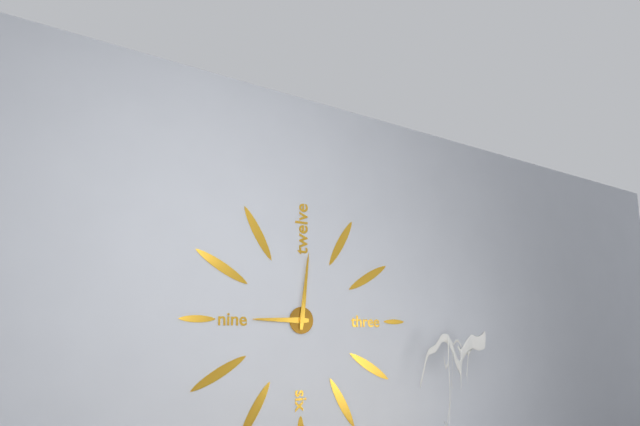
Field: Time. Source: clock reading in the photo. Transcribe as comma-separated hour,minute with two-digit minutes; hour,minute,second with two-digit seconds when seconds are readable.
9,01
